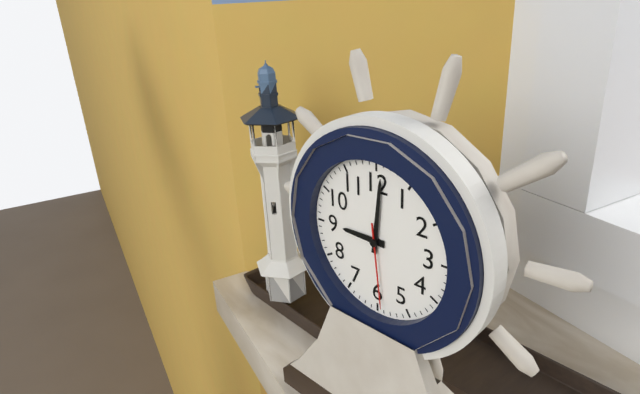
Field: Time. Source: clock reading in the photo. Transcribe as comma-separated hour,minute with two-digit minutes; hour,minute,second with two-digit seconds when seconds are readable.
9,01,29
